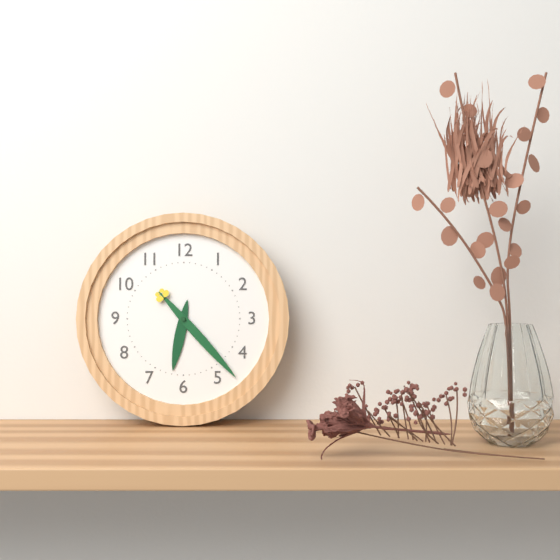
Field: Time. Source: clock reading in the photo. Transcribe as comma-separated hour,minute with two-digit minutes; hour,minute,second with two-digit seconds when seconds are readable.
6,23
